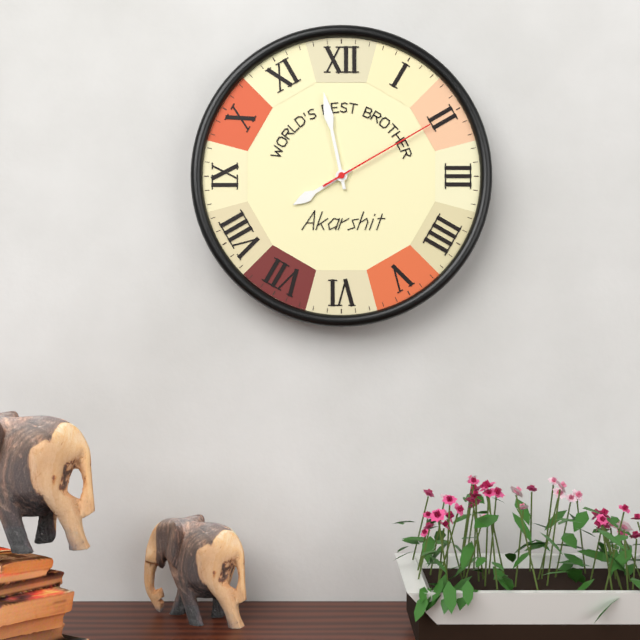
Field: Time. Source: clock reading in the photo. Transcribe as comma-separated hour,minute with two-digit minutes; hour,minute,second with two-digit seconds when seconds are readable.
7,58,10
